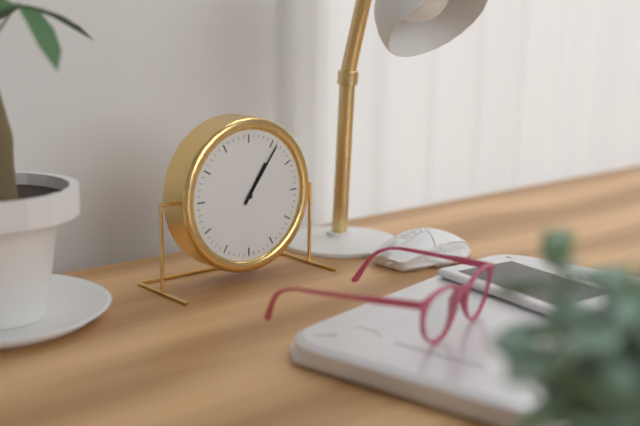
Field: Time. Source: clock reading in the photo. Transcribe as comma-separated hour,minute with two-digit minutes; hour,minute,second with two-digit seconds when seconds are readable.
1,06
